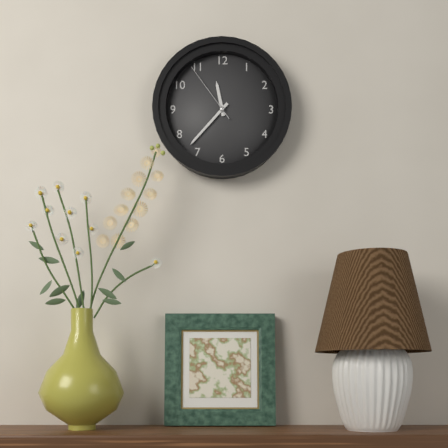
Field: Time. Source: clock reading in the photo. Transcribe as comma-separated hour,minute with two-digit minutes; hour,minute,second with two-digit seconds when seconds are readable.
11,37,54
